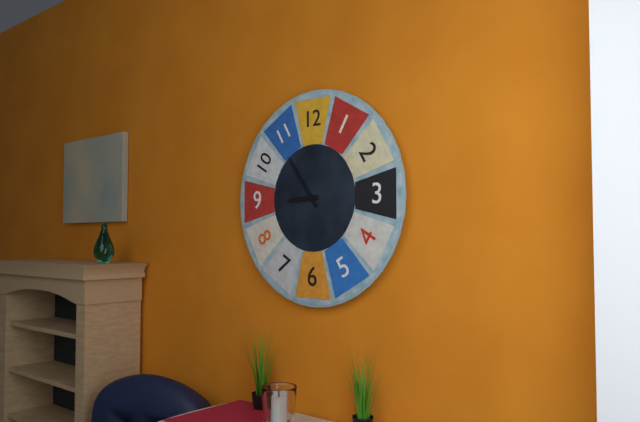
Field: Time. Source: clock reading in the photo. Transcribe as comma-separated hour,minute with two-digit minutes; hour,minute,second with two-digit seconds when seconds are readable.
8,54
